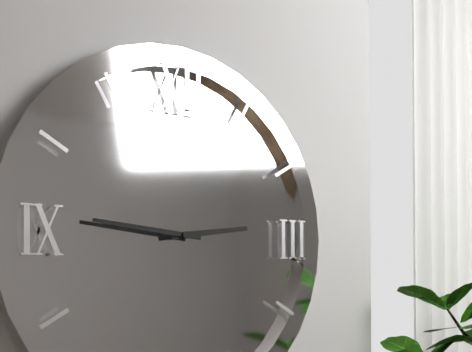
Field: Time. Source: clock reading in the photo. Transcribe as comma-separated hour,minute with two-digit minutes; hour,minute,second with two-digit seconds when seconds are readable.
2,46
